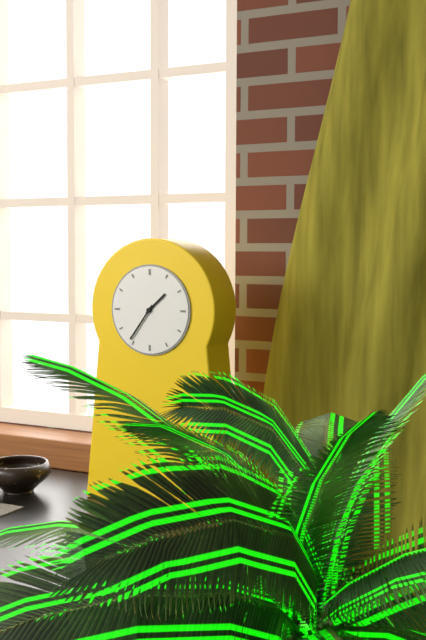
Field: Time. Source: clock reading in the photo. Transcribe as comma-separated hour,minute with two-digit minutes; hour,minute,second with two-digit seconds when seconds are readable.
1,36
